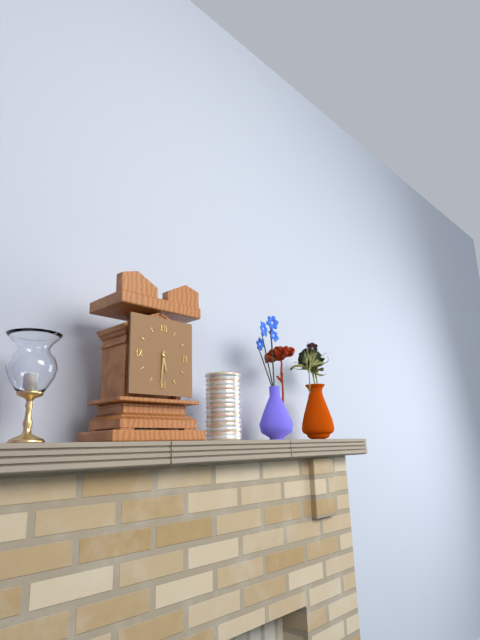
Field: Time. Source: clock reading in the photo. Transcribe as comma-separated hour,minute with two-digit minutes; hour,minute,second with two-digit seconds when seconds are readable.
5,31
